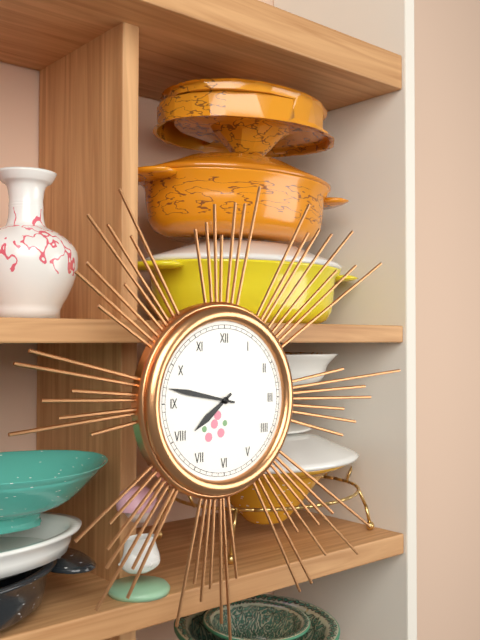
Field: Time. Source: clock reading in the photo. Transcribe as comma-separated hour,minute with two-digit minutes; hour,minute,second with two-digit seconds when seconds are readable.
7,47
